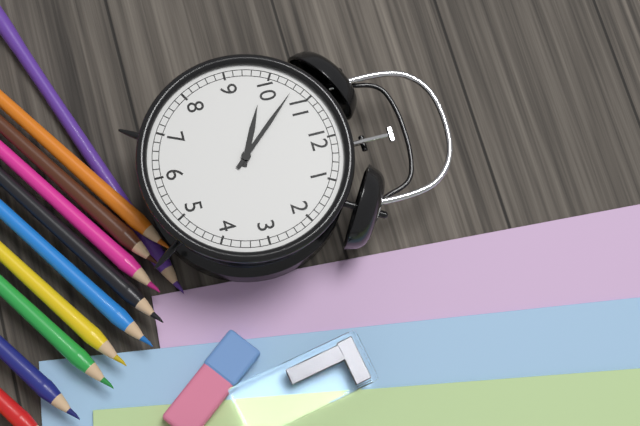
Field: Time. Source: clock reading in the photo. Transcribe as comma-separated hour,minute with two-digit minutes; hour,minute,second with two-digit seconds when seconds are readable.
9,53
